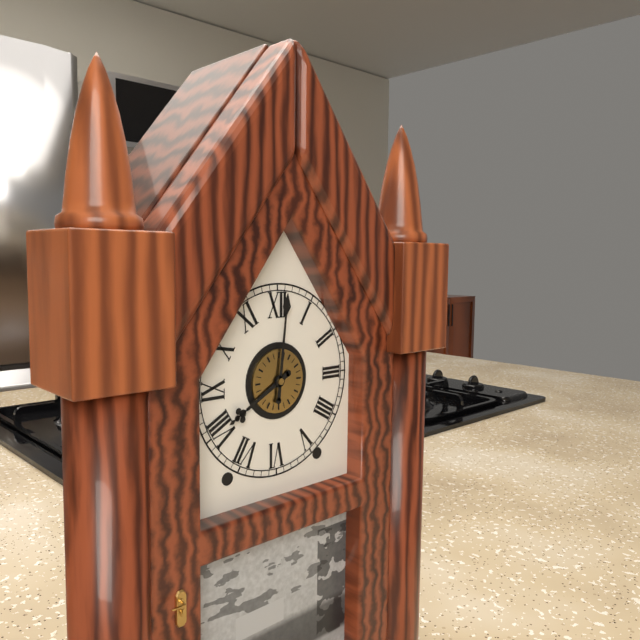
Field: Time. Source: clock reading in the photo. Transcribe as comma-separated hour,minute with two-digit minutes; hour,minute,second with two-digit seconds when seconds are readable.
8,01
